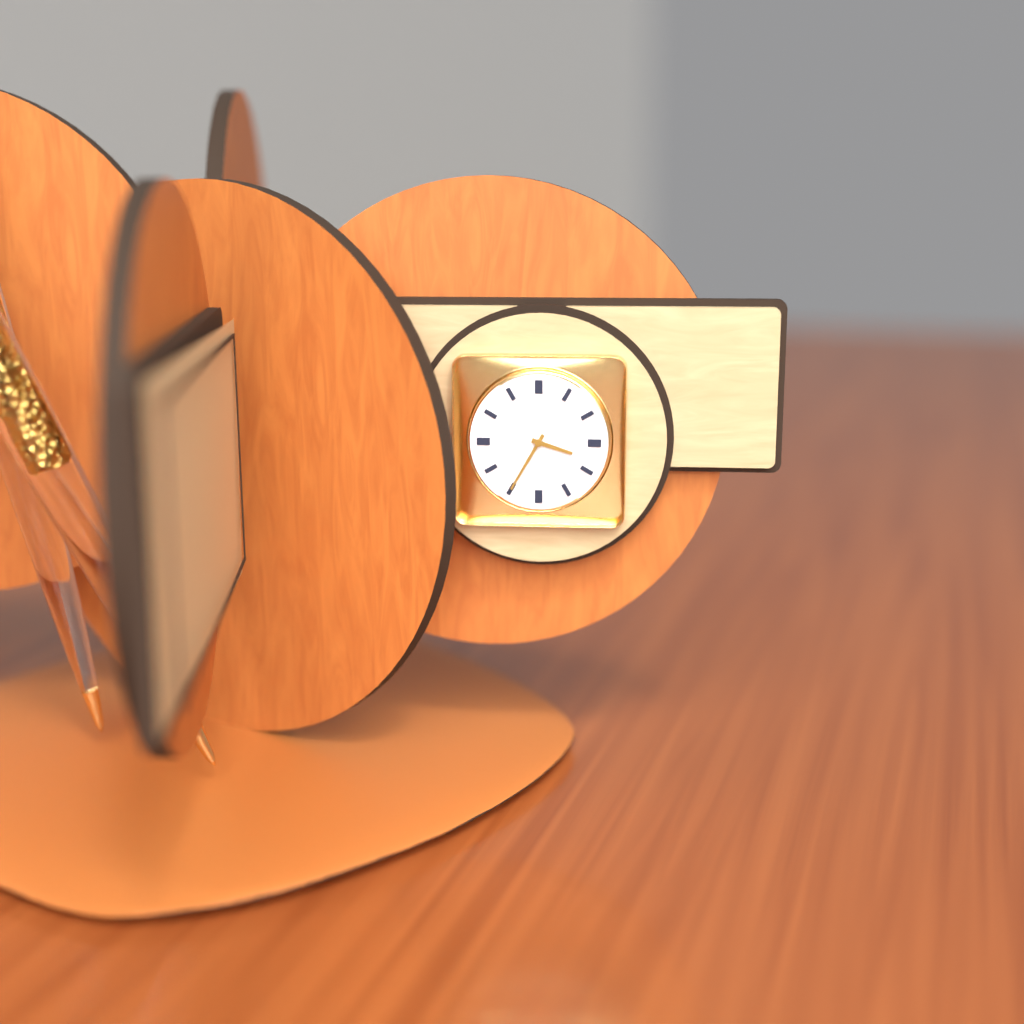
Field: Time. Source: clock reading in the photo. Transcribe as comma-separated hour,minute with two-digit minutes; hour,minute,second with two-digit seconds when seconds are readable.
3,35
